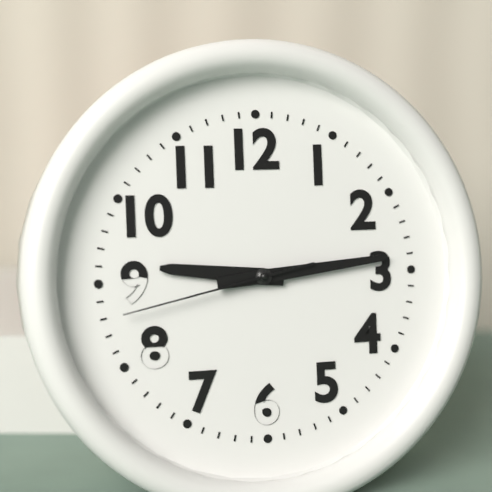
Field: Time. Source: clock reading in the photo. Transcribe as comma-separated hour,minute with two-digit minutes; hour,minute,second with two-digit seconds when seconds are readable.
9,14,43
